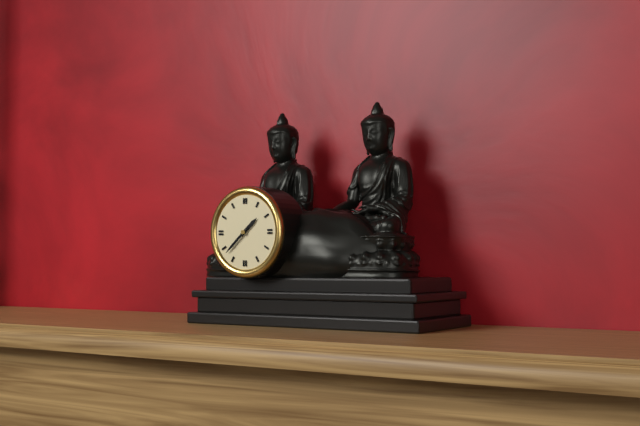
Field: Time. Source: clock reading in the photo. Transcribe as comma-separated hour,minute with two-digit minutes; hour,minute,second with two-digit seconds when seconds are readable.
1,38
